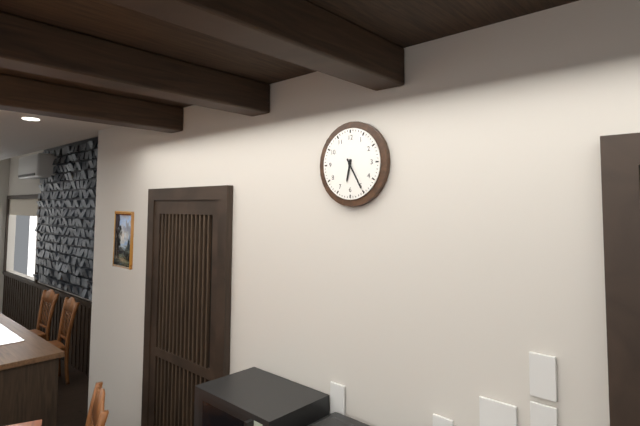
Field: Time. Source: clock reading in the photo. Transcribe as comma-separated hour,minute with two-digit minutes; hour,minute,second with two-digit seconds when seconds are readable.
6,25
